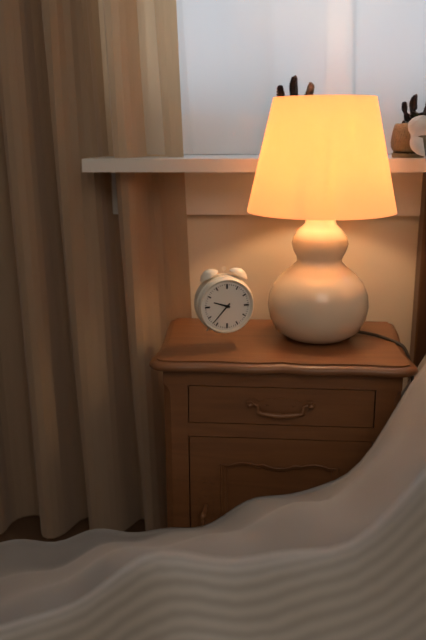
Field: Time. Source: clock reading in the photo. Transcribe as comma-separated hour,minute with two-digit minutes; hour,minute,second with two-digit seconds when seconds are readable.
9,37
